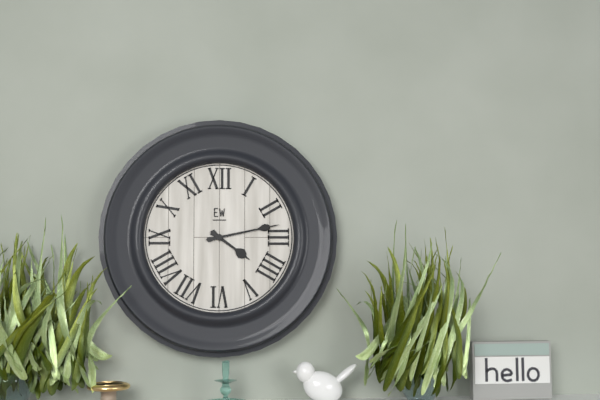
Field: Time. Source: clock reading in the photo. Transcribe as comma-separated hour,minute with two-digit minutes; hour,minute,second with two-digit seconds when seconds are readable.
4,13
